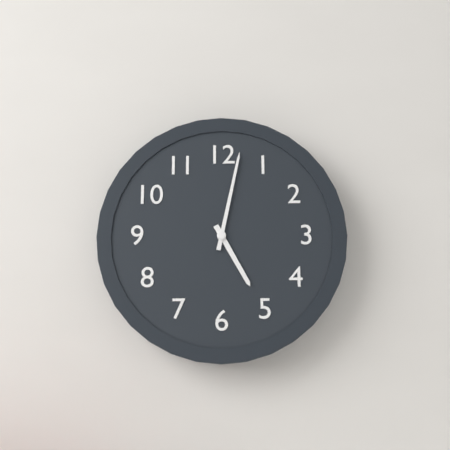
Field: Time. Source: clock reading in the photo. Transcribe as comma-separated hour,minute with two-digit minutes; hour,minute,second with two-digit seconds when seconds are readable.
5,02
